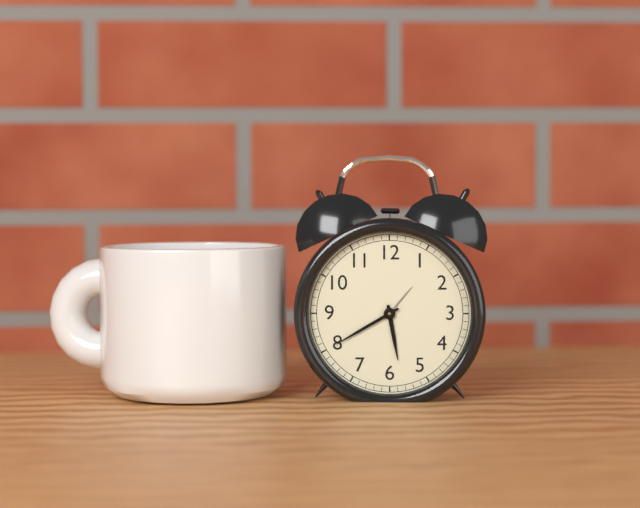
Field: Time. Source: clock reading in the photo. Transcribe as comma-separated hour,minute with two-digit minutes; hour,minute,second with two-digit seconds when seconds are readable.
5,40
